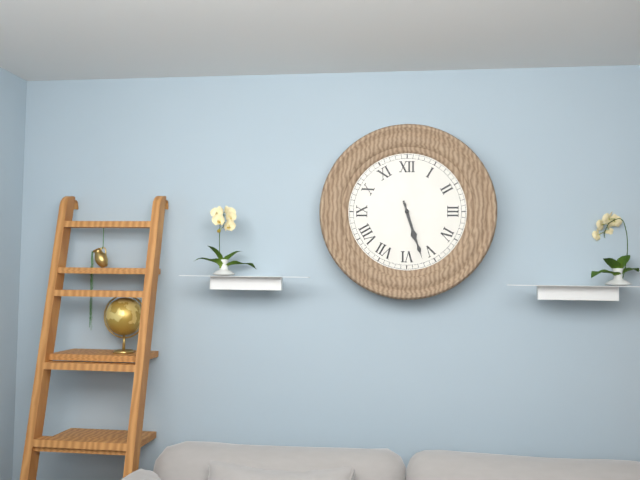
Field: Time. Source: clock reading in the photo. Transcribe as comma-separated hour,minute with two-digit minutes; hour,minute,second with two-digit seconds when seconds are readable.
5,27
